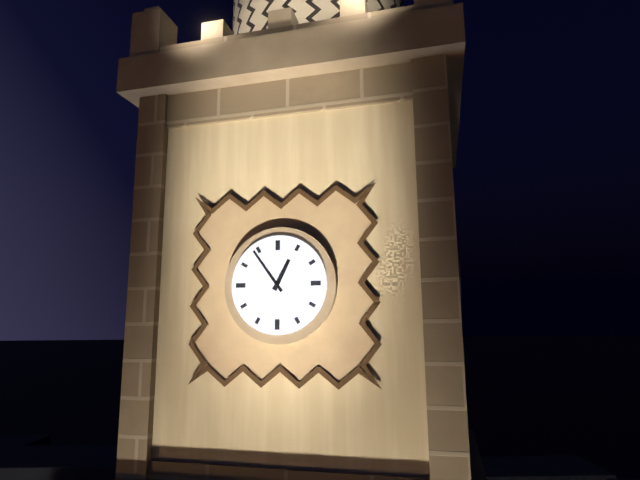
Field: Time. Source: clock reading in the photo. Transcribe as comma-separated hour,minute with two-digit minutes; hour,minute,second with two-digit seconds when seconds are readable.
12,54
